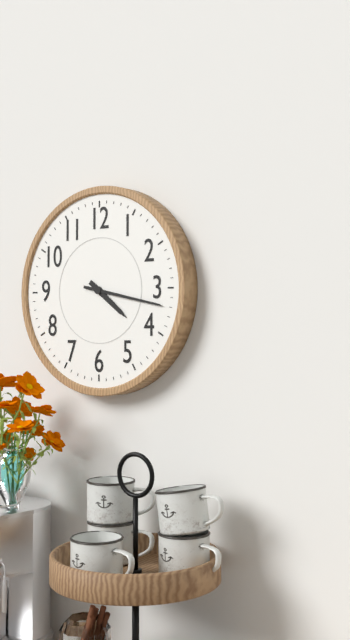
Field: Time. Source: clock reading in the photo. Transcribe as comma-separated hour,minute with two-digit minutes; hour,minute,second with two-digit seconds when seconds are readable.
4,17
